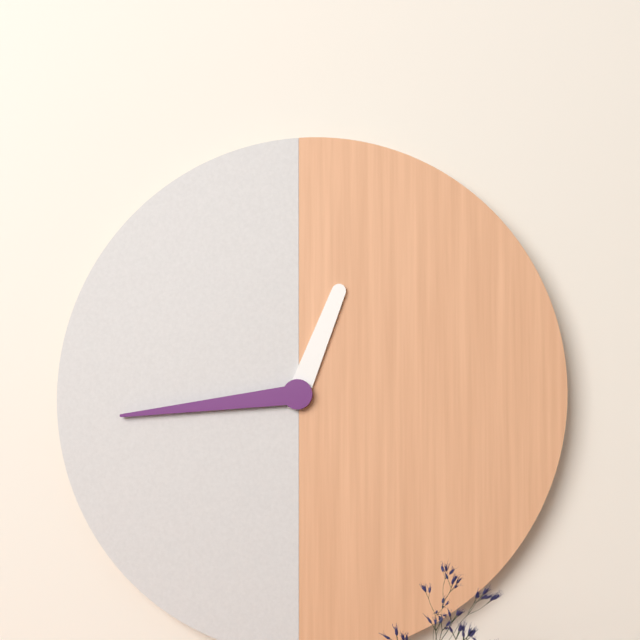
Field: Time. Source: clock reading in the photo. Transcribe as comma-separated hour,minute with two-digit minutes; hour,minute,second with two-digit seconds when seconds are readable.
12,44
